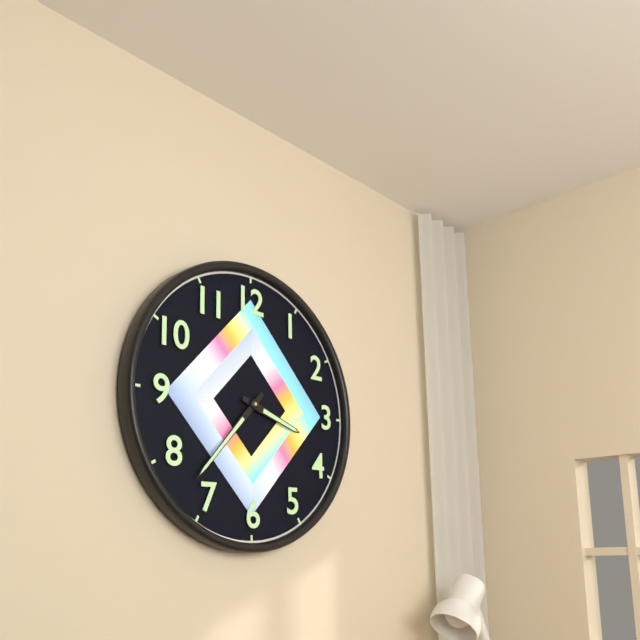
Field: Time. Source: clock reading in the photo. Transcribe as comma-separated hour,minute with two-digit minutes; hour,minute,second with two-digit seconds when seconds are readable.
3,37
